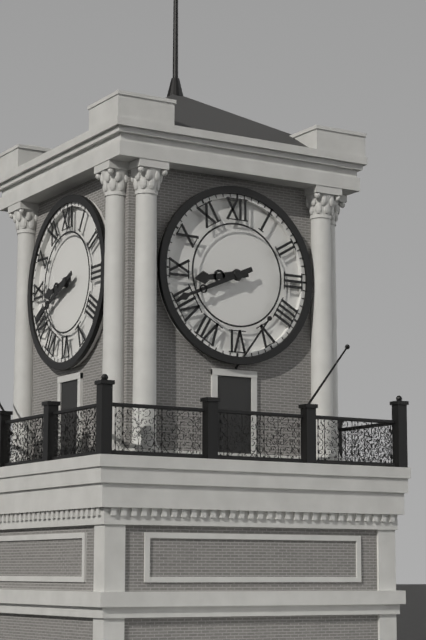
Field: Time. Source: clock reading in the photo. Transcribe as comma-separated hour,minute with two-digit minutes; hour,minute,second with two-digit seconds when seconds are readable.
8,41
